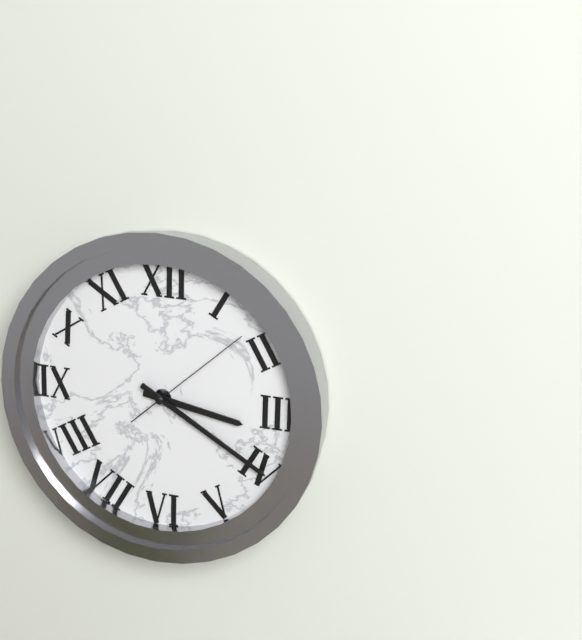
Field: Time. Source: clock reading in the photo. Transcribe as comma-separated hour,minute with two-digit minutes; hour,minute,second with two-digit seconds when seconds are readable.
3,20,08
